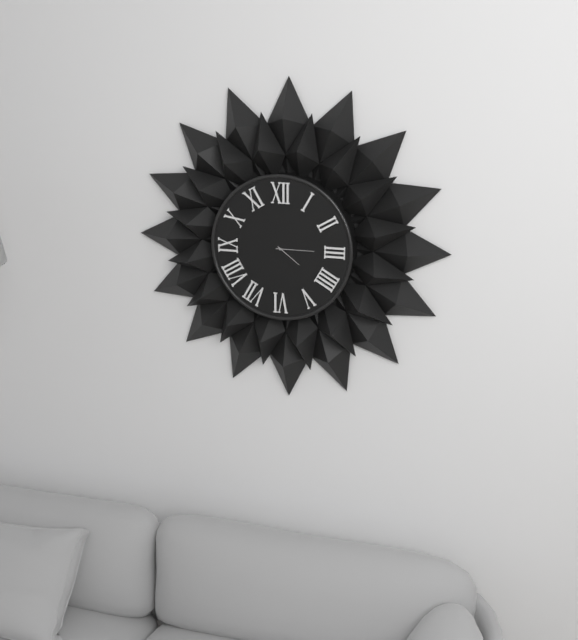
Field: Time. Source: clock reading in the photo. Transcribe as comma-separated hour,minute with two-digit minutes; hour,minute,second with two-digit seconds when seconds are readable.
4,15
